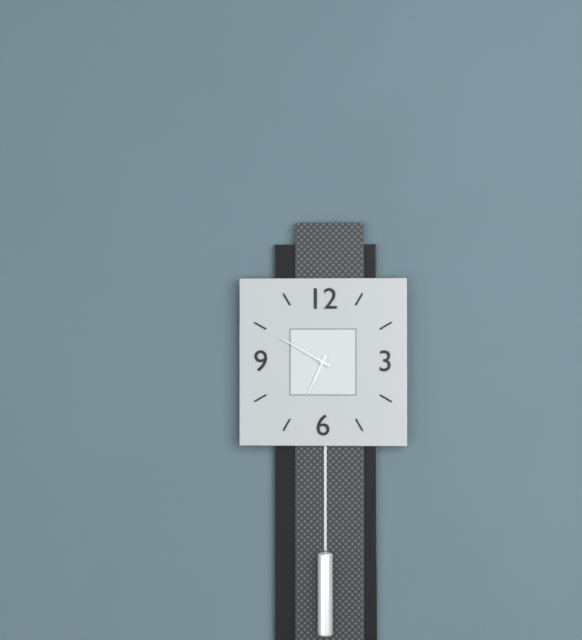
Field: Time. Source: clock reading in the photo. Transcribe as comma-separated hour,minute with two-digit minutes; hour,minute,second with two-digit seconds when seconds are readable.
6,50
